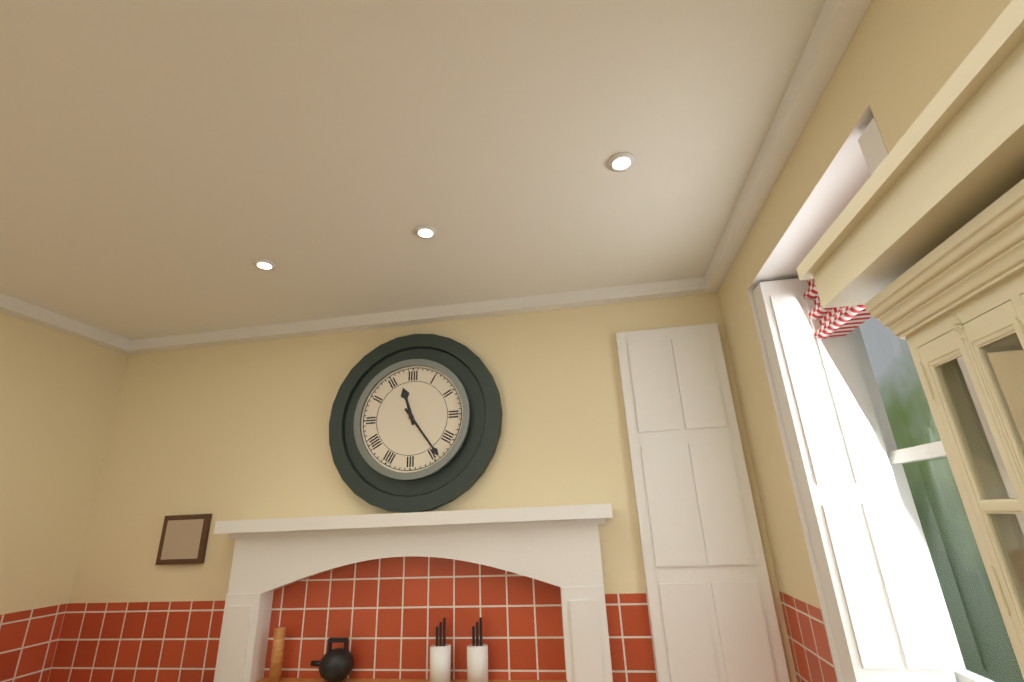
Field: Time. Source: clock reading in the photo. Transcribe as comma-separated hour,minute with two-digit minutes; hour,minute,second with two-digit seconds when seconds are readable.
11,24
